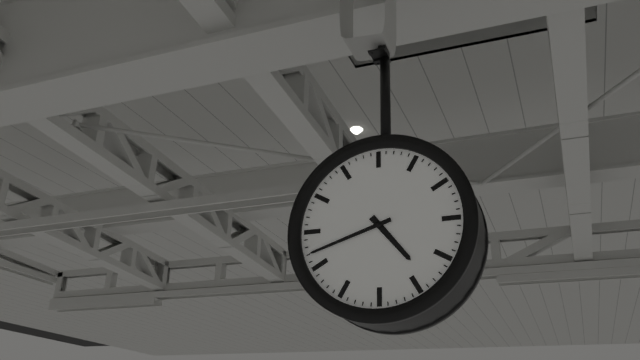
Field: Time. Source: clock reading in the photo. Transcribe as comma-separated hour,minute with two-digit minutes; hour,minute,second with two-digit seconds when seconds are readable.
4,42
